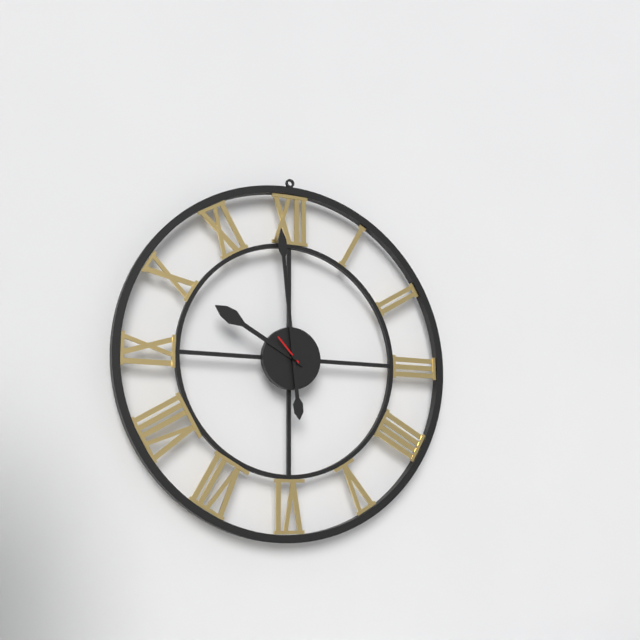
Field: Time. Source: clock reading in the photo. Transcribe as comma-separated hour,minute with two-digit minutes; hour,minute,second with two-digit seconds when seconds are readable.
9,59
